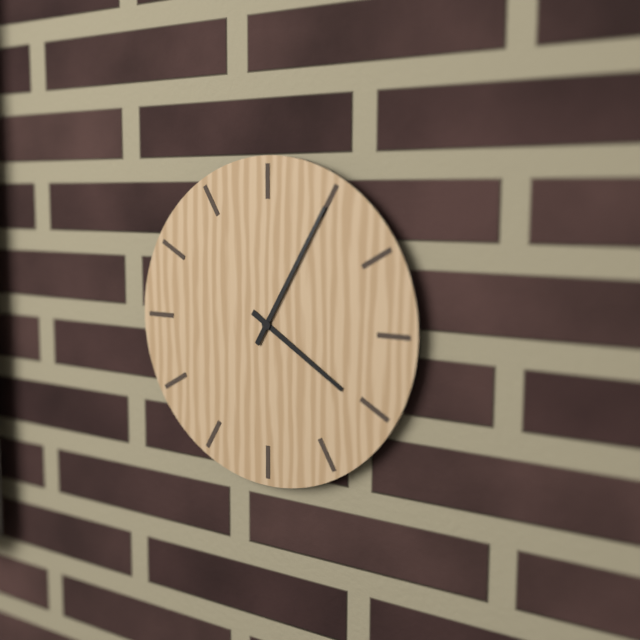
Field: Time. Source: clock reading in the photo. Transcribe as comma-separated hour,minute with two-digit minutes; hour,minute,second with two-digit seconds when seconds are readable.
4,05
